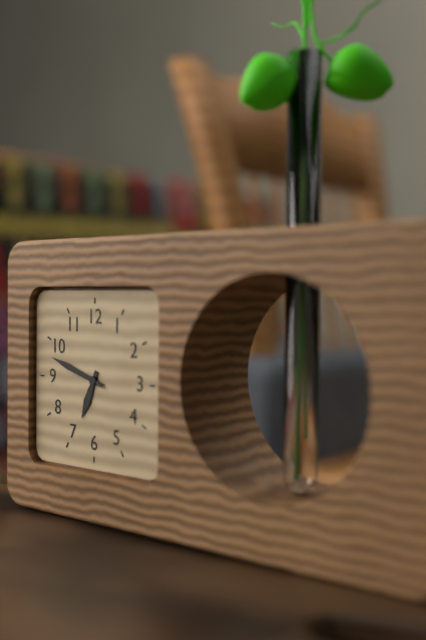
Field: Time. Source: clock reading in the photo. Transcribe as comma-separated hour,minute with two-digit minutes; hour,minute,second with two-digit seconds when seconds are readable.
6,48
